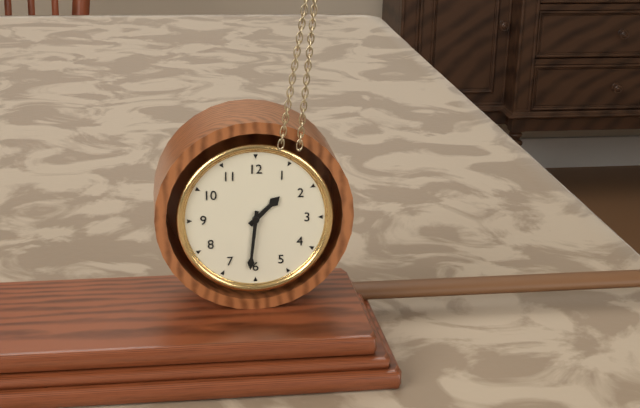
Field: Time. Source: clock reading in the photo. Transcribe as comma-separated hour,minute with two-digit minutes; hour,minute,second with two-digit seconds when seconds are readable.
1,31
